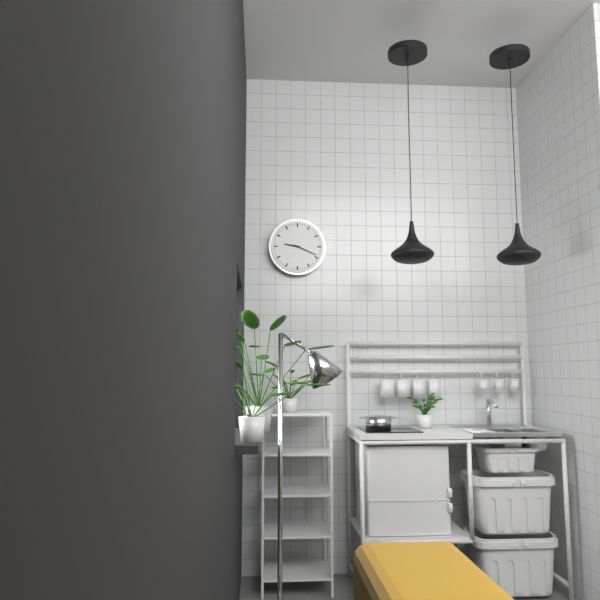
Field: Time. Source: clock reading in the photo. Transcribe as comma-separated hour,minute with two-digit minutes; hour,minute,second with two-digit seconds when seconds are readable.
9,19
